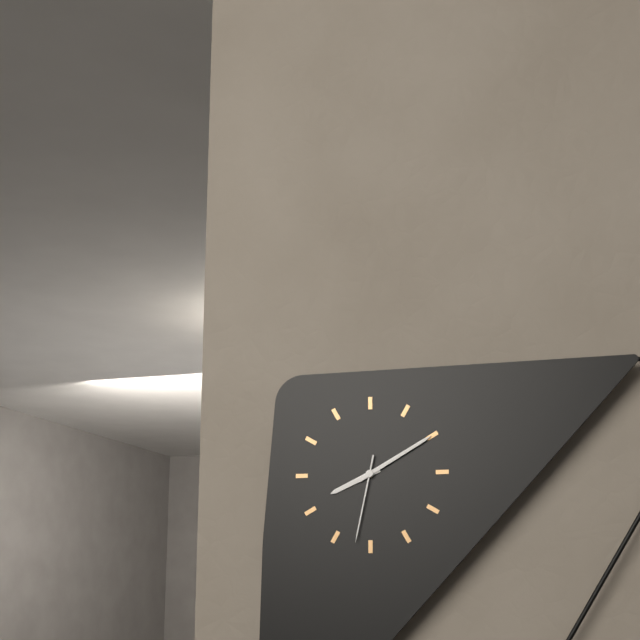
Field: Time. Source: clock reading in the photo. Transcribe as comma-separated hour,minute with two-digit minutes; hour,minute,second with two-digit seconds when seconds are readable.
8,10,32
